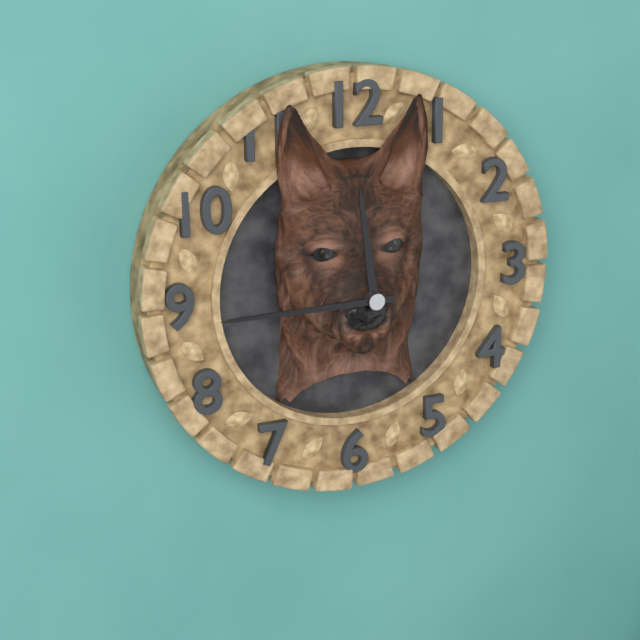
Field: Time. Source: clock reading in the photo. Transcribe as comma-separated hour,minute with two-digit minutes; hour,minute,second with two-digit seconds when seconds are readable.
11,45
